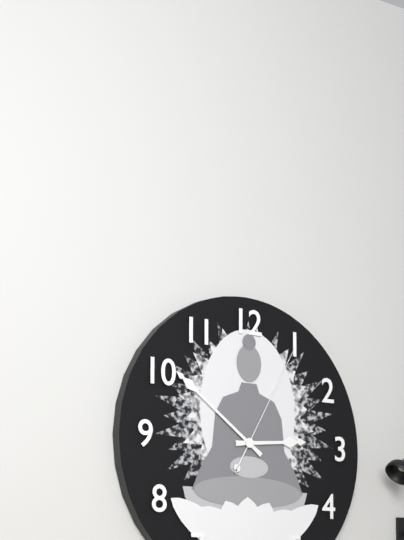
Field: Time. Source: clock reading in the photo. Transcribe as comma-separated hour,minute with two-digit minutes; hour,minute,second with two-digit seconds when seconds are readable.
2,51,05
